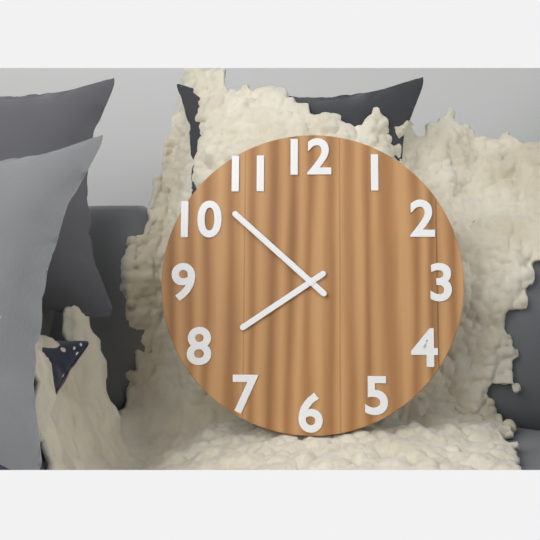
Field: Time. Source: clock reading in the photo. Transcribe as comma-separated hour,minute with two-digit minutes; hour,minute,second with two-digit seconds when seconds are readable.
7,52
